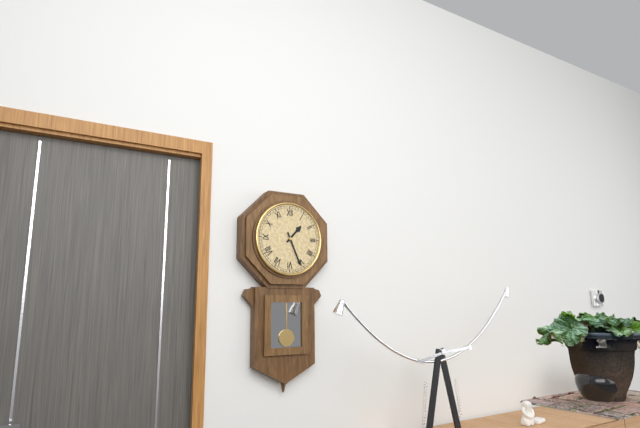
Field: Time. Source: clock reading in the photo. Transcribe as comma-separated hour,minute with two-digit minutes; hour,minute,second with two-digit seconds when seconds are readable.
1,26
